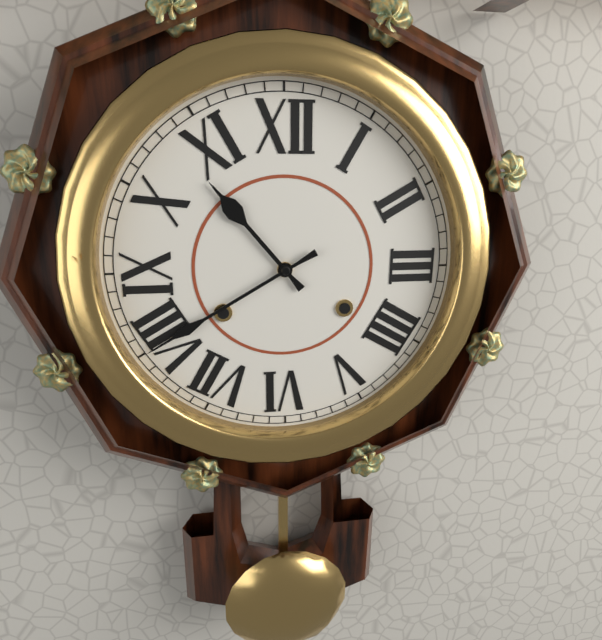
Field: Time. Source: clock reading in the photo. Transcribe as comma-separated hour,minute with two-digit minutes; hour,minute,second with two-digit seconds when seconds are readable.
10,40
